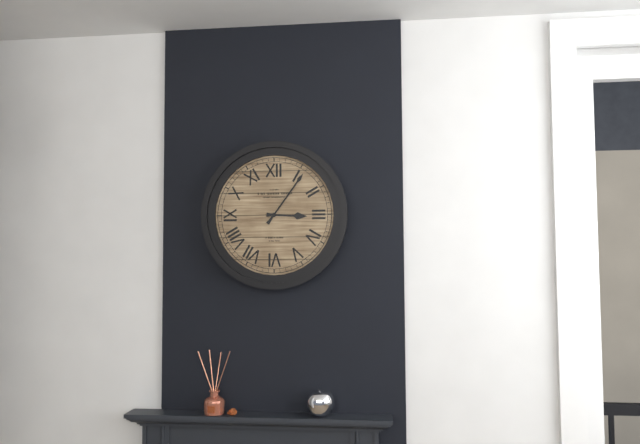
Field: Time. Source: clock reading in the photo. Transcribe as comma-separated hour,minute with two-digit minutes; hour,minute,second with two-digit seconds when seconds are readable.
3,06
